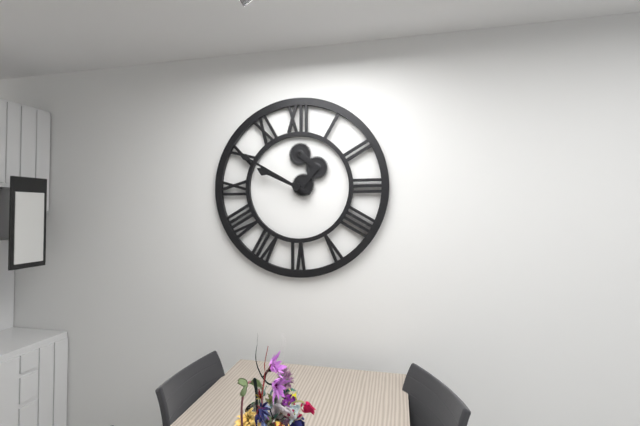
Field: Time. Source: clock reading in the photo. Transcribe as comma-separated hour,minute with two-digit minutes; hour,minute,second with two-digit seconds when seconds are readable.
9,50
